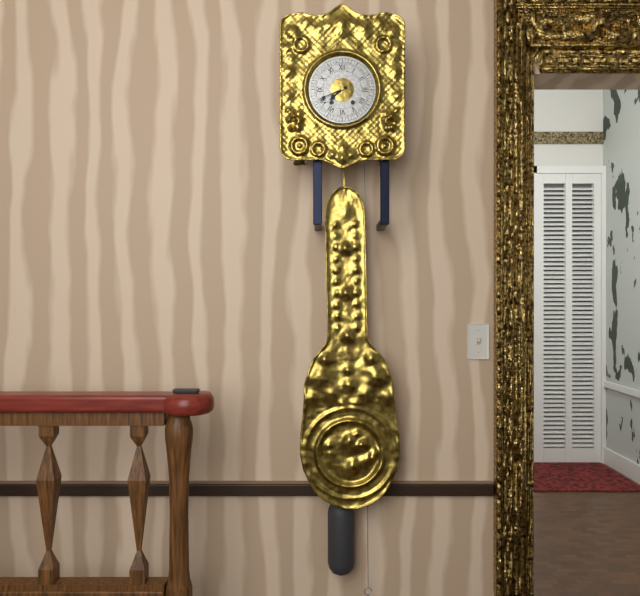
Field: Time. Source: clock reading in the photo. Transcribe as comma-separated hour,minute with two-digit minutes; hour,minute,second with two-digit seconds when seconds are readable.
7,41
